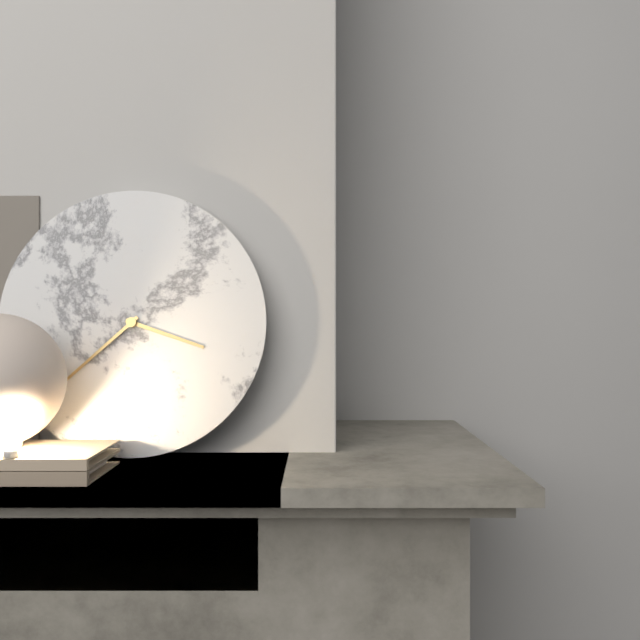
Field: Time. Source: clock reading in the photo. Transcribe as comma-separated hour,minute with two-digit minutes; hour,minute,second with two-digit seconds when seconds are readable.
3,38
